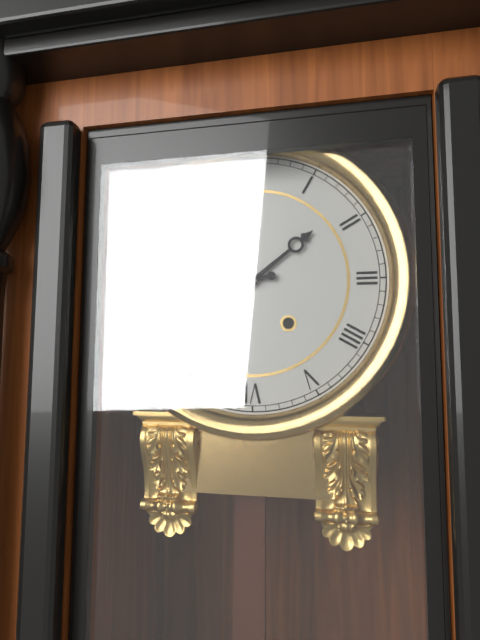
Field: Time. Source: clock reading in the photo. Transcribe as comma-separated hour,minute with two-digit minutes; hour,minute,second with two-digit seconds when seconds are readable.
1,43
